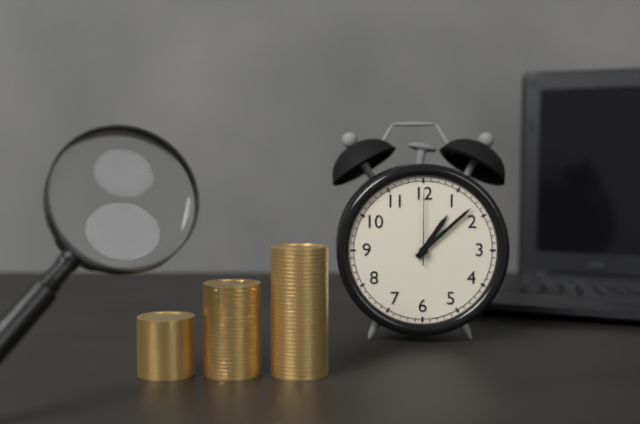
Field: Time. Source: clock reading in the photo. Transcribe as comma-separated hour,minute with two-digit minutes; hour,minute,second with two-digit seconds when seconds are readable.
1,08,00
